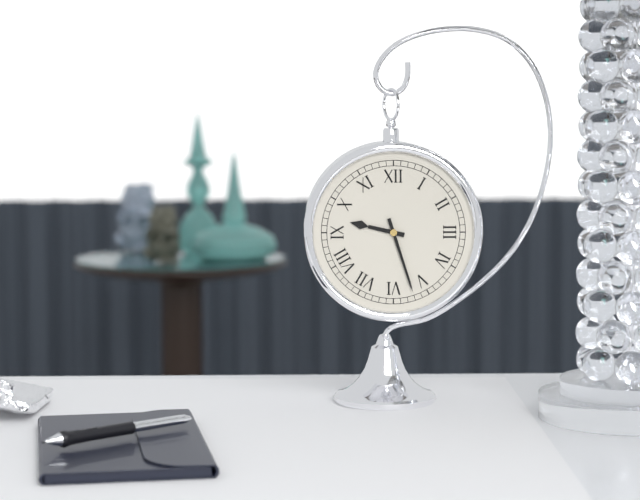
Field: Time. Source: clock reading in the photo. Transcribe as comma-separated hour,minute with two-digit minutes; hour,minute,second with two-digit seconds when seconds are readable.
9,27
